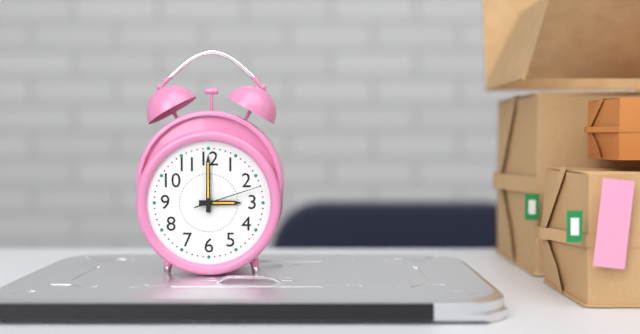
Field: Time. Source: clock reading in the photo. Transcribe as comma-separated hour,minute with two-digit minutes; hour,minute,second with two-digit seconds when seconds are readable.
3,00,12
